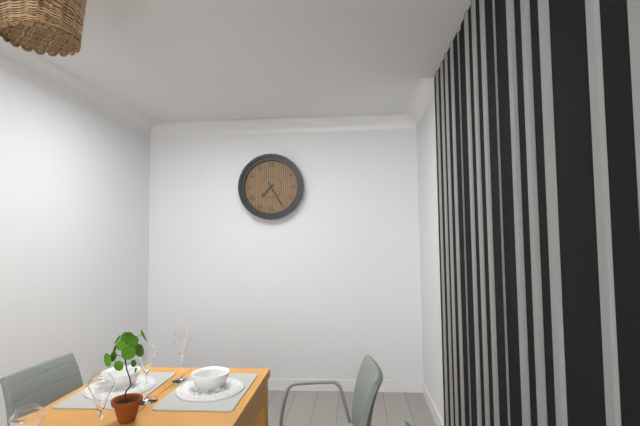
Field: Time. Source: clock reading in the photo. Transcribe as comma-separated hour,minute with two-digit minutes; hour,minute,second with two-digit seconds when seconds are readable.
7,25
